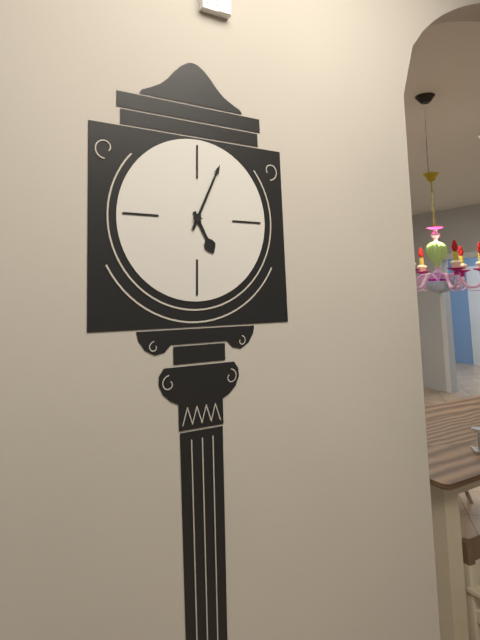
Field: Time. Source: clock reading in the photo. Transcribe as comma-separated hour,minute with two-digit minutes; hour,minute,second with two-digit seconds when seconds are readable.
5,04
